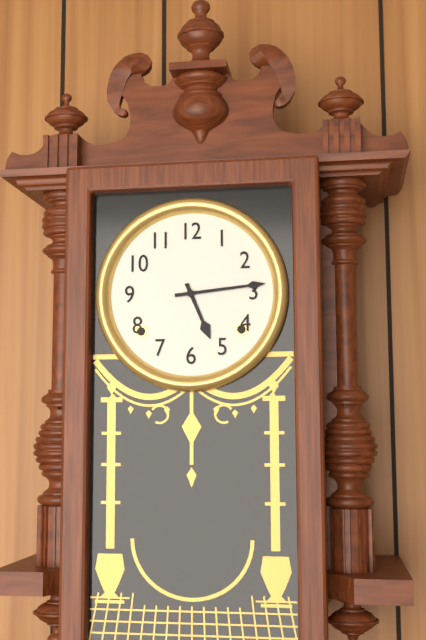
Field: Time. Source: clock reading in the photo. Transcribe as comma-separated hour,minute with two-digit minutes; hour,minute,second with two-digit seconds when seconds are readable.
5,14
